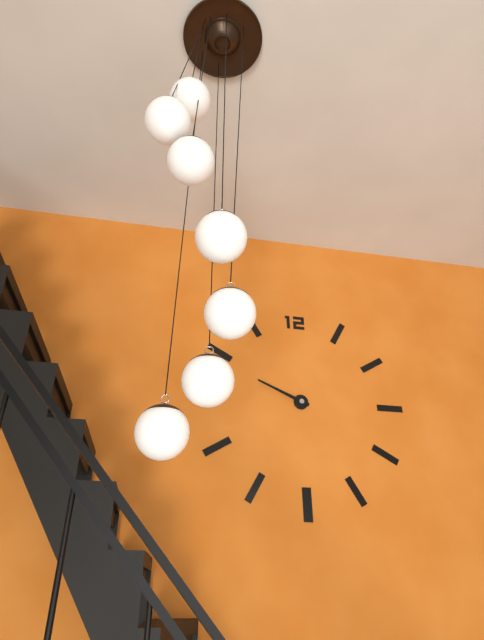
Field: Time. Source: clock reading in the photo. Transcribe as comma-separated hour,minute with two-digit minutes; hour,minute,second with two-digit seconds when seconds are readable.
9,49
